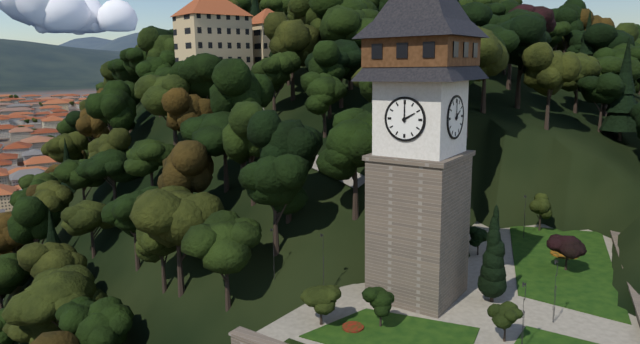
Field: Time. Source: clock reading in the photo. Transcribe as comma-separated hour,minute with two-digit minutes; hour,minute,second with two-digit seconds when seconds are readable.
2,00
